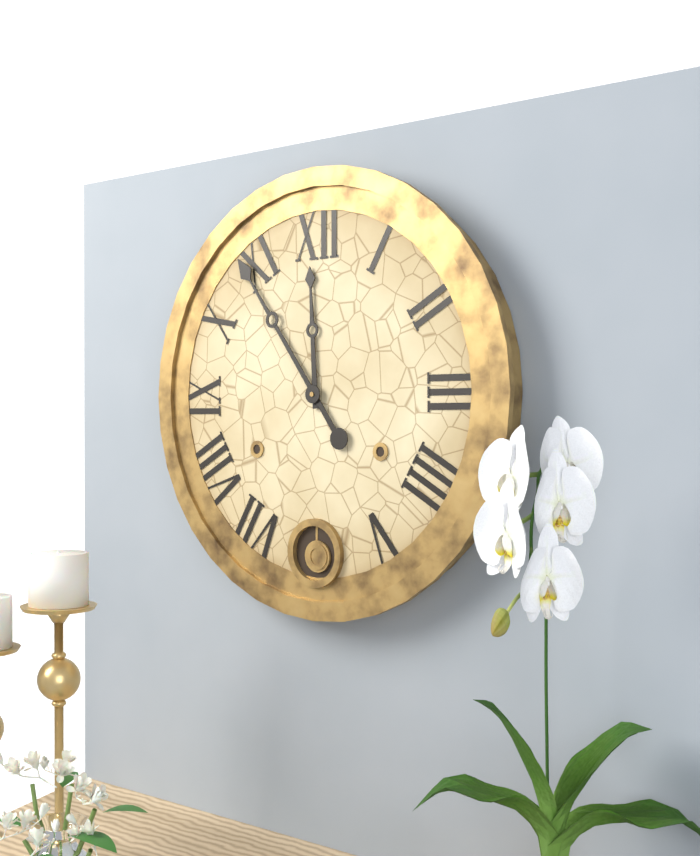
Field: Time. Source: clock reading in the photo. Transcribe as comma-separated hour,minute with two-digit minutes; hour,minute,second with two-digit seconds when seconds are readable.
11,54
